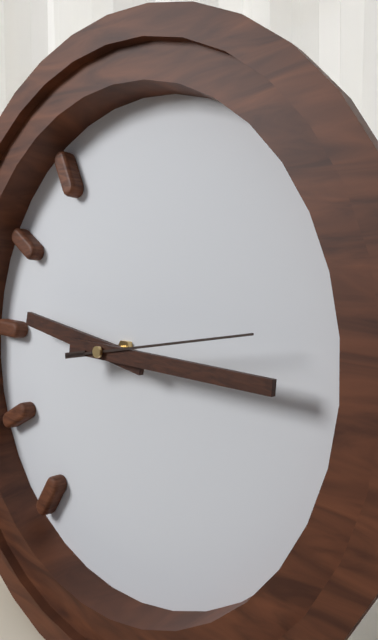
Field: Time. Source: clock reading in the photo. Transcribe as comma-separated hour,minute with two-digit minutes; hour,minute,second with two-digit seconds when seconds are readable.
9,15,13
